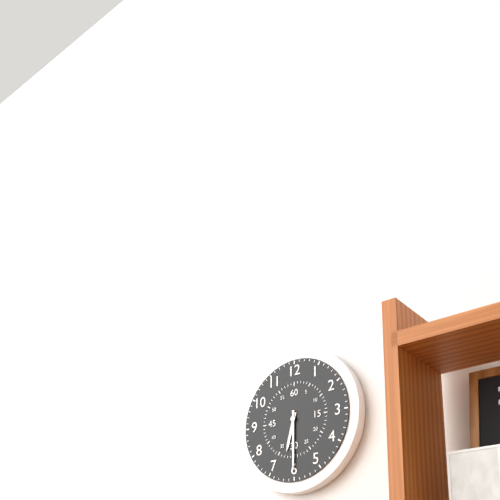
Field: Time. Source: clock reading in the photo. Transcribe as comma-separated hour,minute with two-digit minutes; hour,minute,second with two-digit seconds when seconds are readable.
6,30
